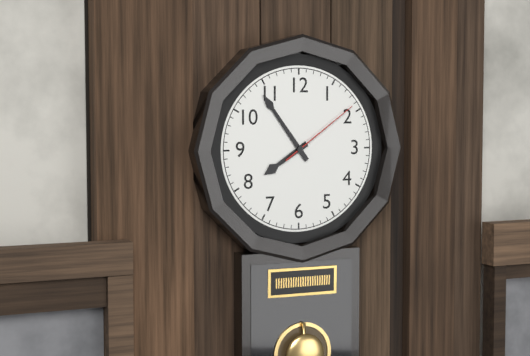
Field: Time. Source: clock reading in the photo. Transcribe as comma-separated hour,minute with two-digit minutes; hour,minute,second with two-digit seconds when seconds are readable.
7,54,09
